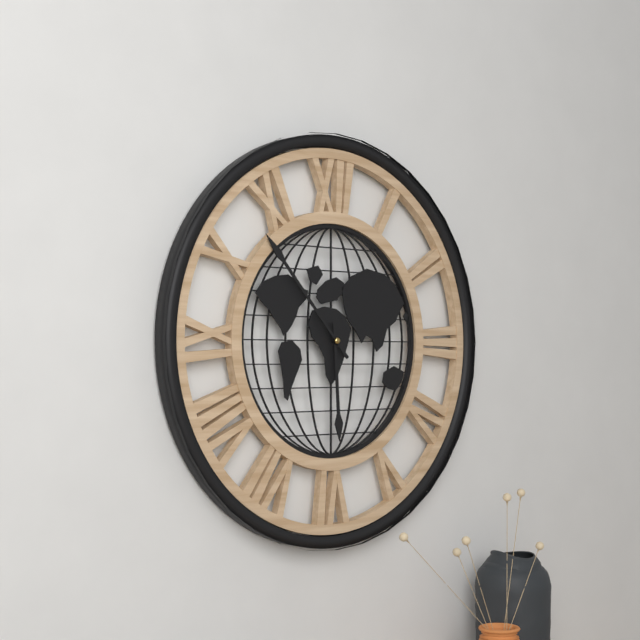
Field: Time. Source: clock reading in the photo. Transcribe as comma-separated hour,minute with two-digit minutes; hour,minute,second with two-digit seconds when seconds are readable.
5,53
